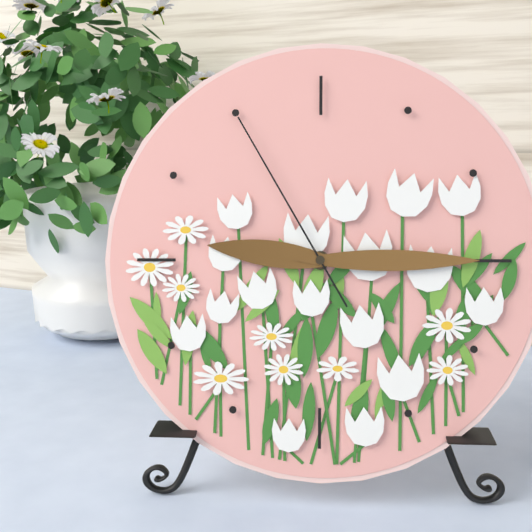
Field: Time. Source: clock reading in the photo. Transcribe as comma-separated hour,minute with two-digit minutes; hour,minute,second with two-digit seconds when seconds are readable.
9,15,55
